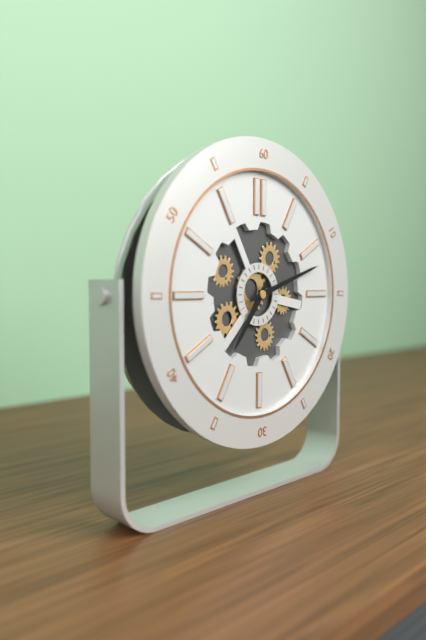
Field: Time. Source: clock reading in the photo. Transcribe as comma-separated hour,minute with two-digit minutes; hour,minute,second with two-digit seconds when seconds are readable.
7,12
